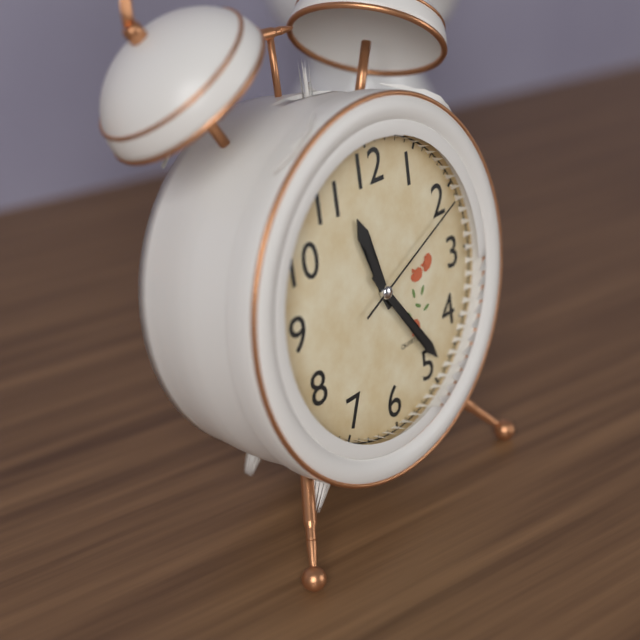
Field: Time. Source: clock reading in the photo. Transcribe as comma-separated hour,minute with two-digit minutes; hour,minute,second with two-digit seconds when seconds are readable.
11,24,11
